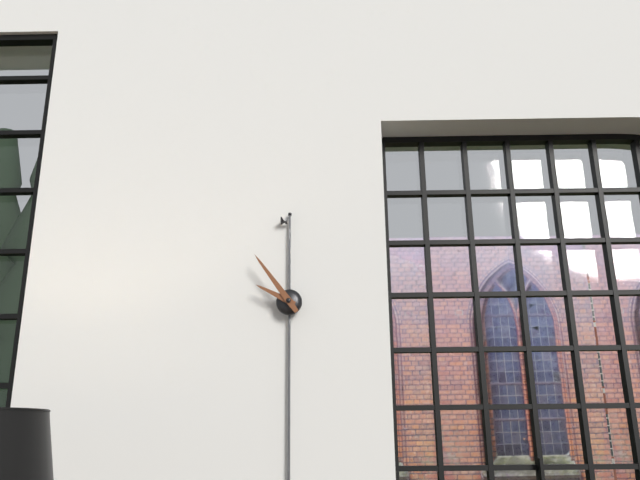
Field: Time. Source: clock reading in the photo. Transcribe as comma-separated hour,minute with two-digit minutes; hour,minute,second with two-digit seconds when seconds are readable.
9,54
